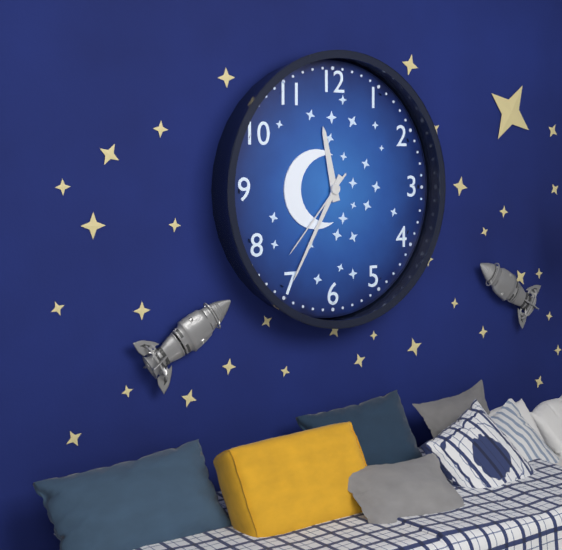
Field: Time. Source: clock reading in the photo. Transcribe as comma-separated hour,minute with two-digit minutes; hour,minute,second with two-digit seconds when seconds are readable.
11,35,37
